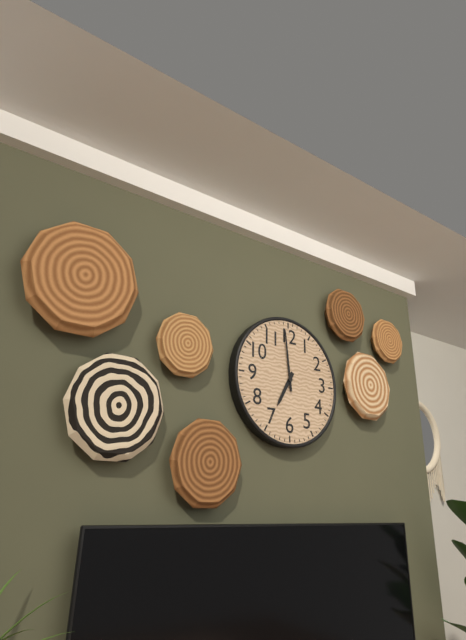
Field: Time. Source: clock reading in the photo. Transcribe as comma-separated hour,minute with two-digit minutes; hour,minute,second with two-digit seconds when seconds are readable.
6,59
